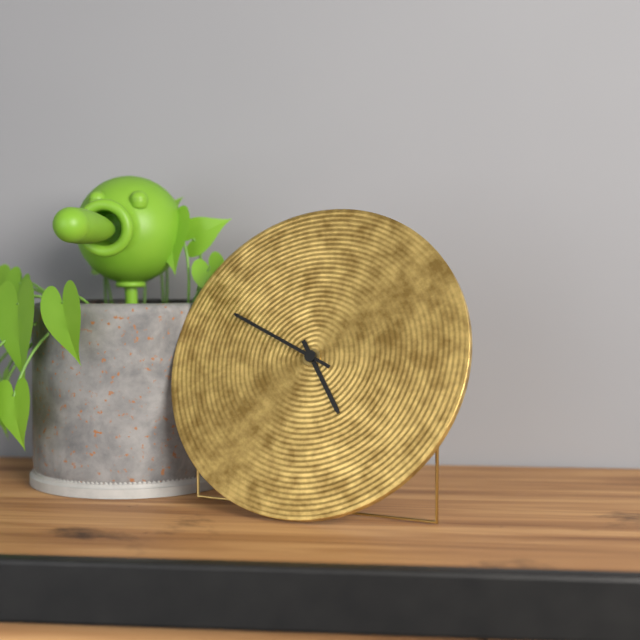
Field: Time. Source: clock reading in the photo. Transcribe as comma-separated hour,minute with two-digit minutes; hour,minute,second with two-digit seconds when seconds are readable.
4,49
